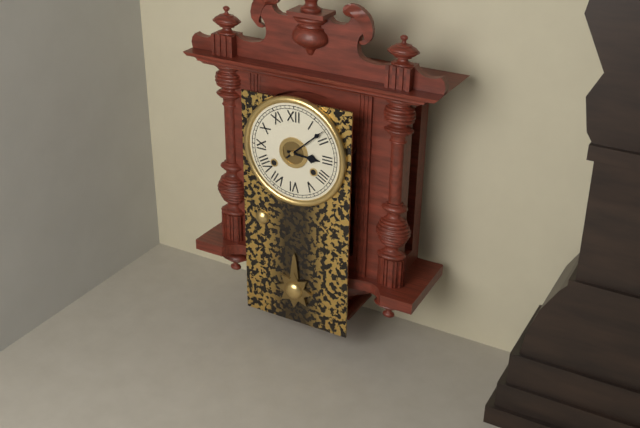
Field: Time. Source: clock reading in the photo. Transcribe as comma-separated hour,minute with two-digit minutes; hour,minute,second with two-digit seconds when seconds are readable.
3,08
